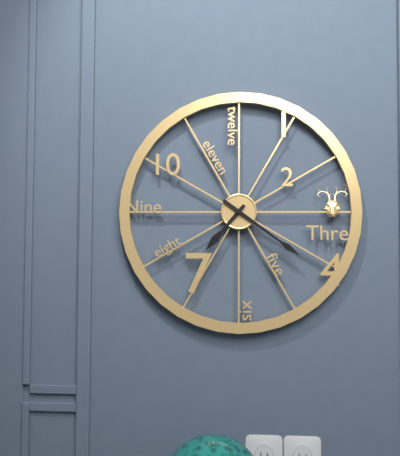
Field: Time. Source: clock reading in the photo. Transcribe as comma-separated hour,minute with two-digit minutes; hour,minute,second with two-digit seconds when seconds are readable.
7,21
